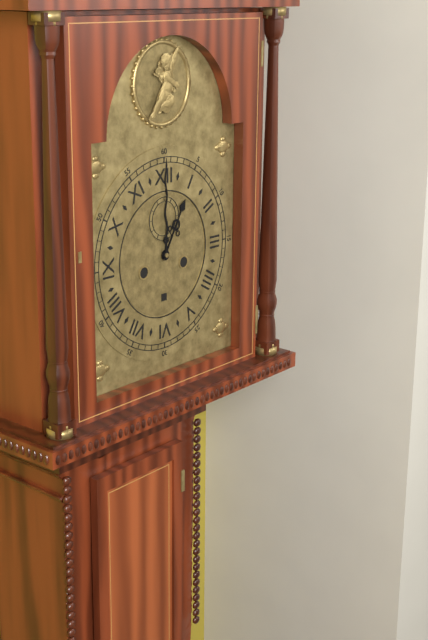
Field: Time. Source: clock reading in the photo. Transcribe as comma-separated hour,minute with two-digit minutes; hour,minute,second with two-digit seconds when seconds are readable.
1,00
